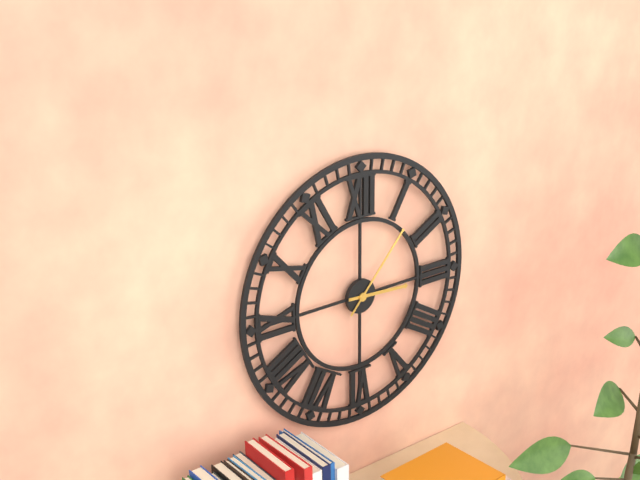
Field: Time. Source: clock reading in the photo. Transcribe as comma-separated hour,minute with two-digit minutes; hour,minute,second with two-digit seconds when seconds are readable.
3,07
